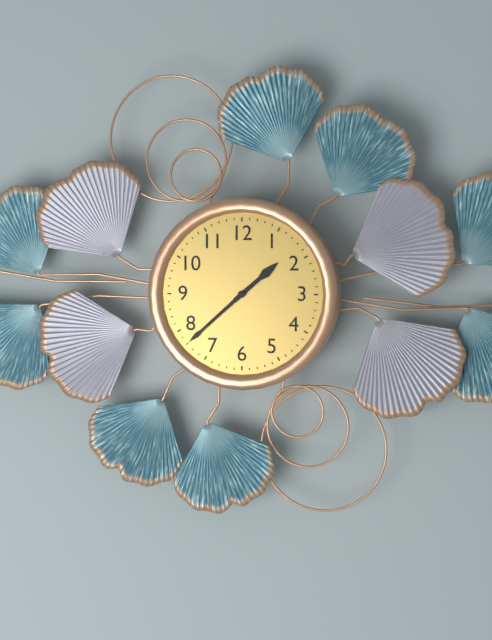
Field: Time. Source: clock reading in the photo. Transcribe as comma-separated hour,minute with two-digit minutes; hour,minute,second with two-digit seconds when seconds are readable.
1,38
